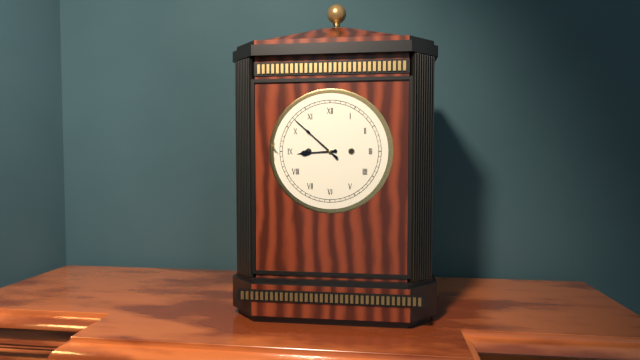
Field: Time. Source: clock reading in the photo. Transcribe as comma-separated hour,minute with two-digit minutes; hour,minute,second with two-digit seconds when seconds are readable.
8,52
